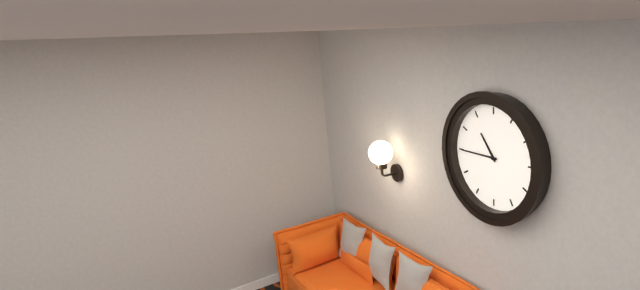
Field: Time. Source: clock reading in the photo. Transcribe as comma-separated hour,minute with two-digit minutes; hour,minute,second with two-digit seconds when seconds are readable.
10,45
